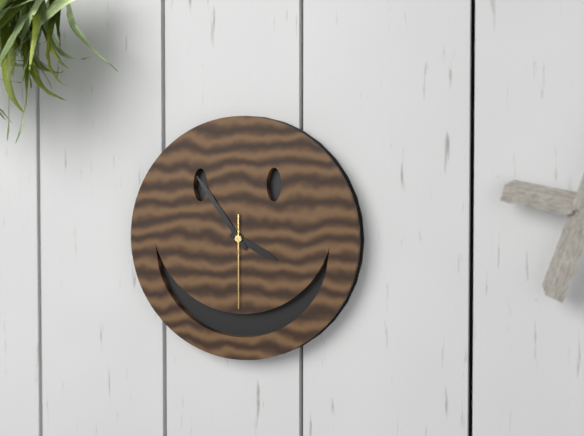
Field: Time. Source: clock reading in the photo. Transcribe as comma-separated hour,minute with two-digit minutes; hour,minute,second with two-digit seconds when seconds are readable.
3,54,30
